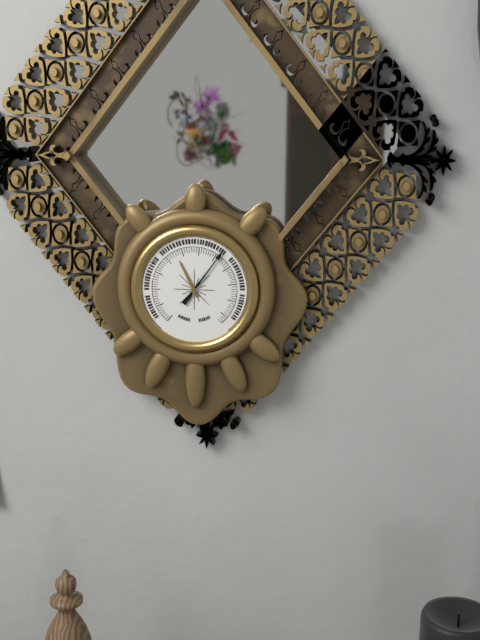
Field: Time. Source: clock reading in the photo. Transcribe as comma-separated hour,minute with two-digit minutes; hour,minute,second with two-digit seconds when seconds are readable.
11,06
